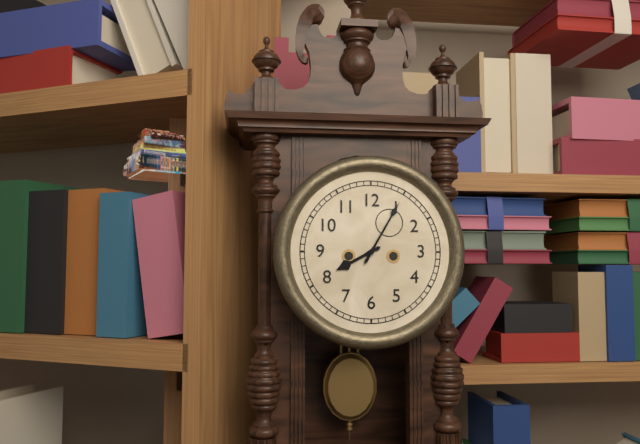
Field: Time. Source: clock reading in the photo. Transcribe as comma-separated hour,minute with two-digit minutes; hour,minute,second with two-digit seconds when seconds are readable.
8,05
